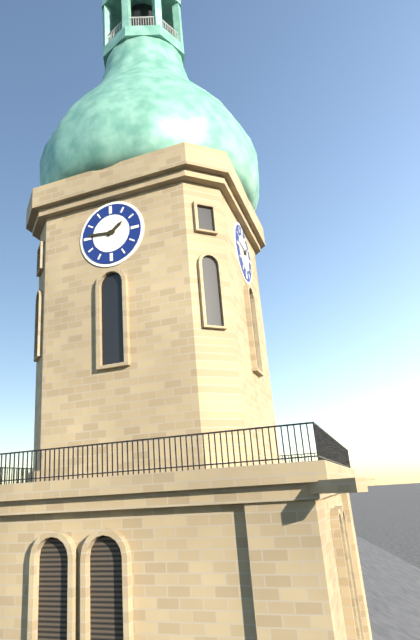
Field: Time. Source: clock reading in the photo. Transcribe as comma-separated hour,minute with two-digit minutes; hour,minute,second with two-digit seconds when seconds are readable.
1,46
